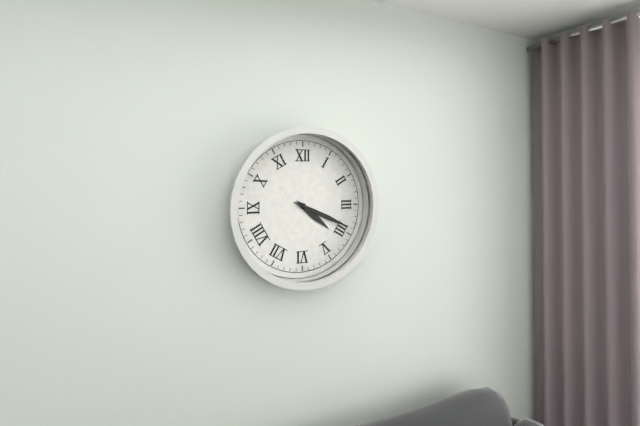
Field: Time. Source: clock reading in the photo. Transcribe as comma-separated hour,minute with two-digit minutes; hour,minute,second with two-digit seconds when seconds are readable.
4,19
